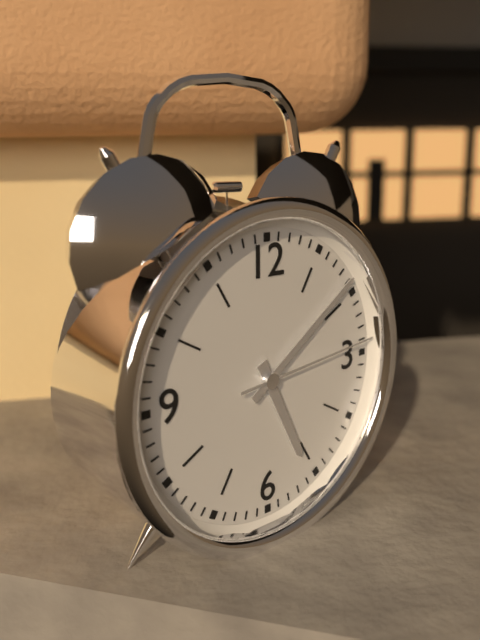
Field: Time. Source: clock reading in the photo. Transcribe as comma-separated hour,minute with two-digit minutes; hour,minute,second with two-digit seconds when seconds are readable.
5,09,14
